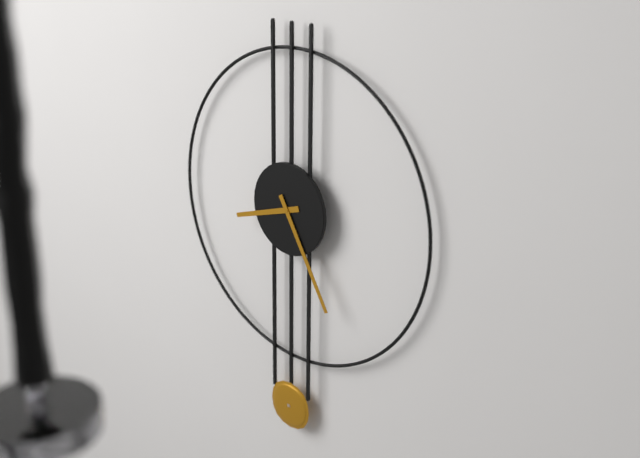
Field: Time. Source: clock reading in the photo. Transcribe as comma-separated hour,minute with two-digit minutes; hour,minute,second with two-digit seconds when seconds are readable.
8,25
